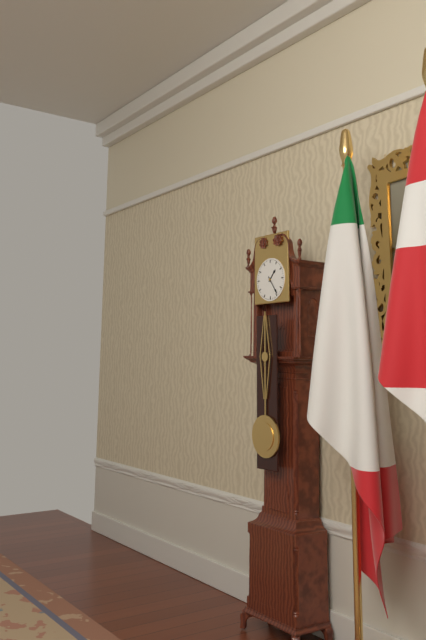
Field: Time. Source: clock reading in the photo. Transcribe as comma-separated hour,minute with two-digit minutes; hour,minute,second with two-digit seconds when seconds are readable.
1,24
